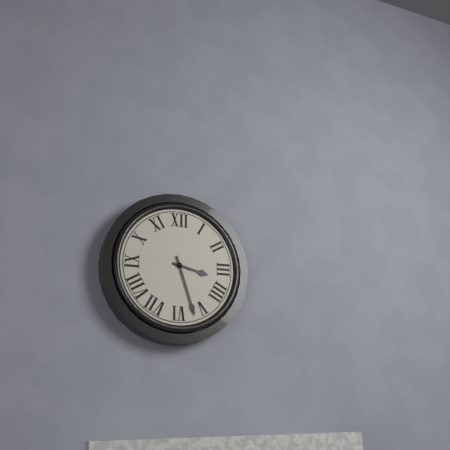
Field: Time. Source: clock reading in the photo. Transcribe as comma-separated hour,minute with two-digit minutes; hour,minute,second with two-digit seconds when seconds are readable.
3,27
